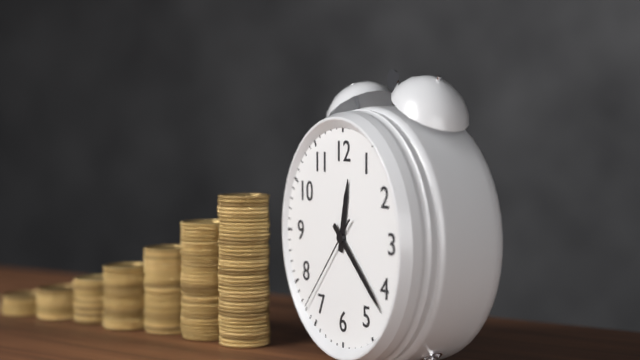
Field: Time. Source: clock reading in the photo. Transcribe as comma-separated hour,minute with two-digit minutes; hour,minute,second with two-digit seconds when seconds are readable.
12,22,37
